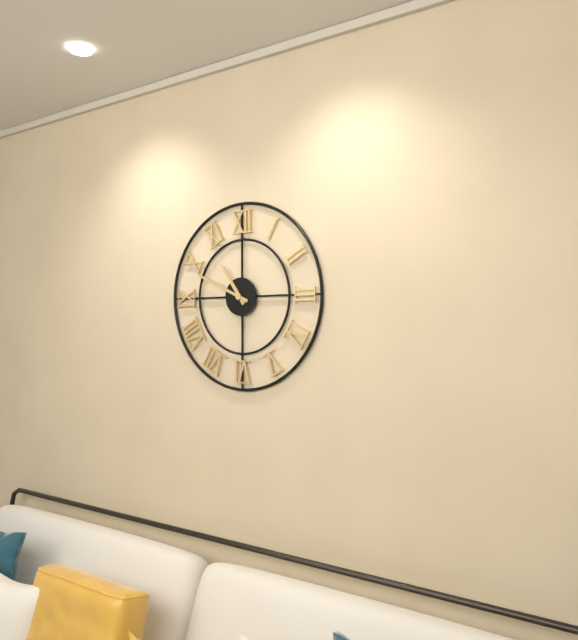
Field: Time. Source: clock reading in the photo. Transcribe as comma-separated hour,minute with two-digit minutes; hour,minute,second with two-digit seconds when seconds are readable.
10,49
